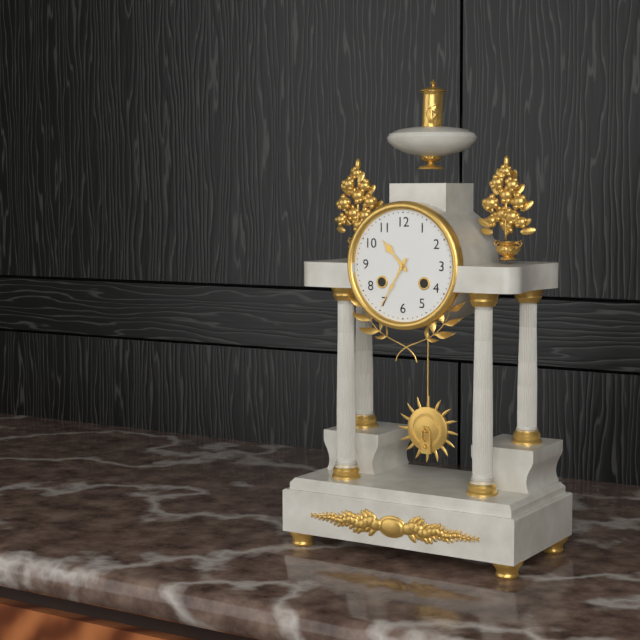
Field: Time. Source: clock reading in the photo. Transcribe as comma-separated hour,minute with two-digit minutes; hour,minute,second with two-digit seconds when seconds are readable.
10,35
